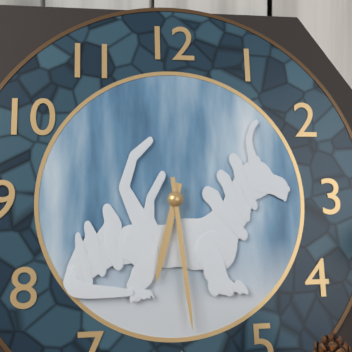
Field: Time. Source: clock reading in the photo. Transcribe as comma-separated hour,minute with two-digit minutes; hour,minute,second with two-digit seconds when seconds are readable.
6,29
